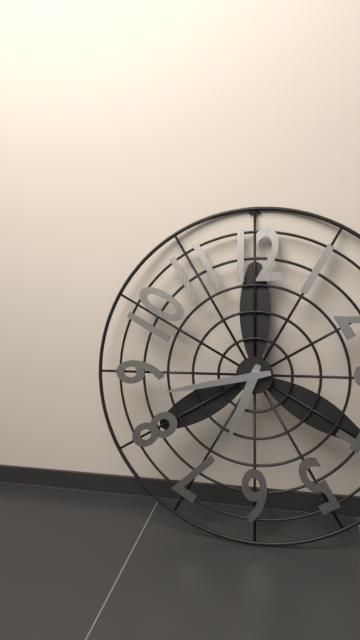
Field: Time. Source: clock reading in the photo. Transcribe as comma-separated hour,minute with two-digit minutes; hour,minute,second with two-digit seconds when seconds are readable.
6,43
